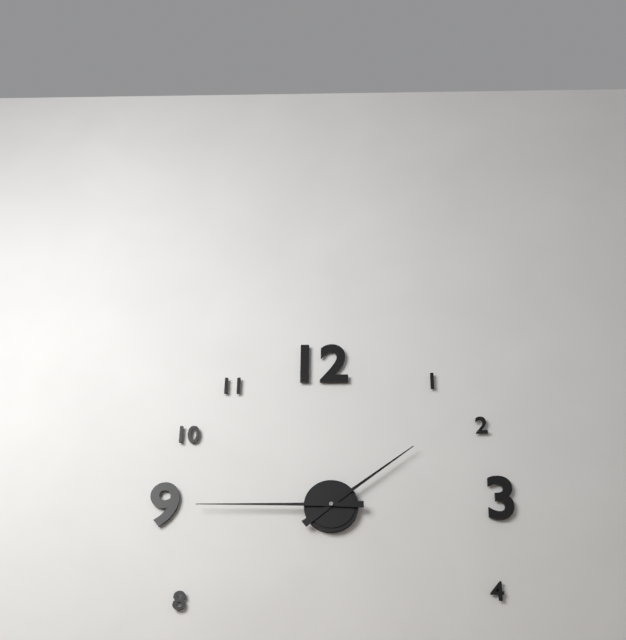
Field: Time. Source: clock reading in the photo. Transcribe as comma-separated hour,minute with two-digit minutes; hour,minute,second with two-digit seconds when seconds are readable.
1,45
